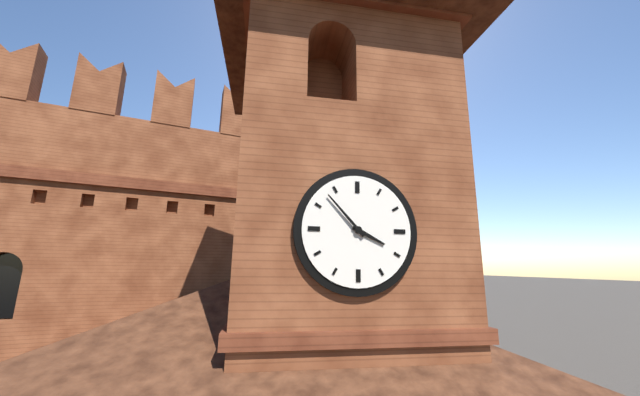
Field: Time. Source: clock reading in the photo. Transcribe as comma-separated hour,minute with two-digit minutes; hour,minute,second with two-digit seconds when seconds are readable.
3,53
